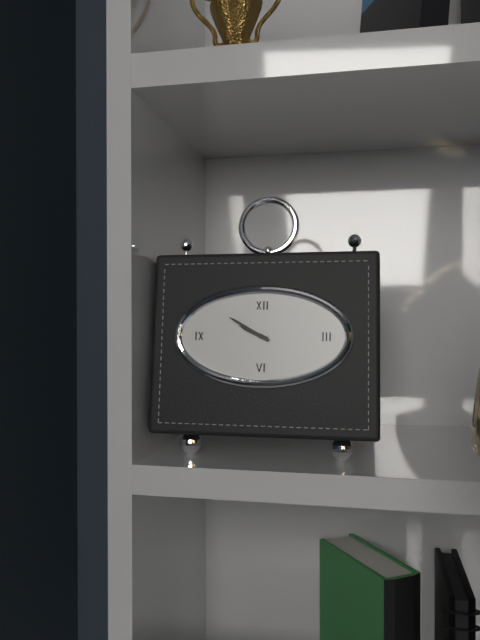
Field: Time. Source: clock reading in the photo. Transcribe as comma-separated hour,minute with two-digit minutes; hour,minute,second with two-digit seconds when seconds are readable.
9,50
